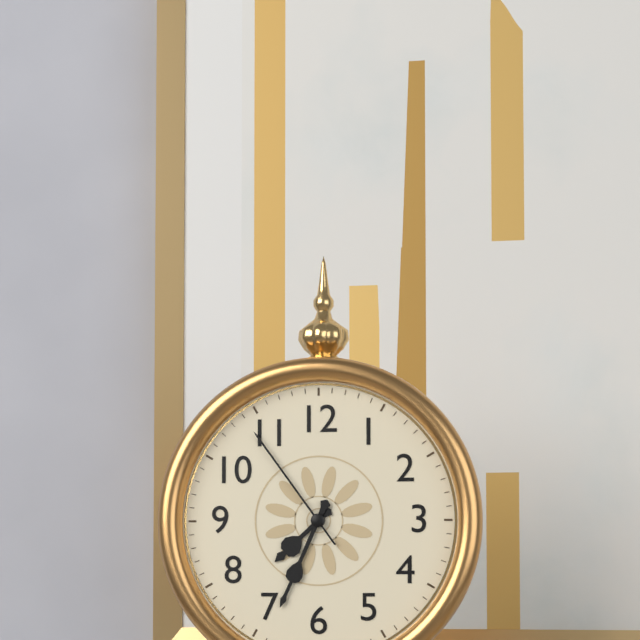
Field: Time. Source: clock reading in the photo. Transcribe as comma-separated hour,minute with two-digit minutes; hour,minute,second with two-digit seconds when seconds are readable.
7,34,54
